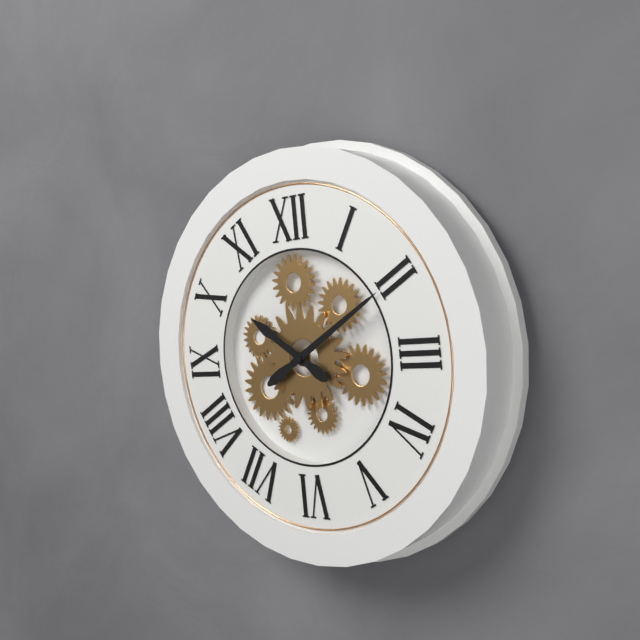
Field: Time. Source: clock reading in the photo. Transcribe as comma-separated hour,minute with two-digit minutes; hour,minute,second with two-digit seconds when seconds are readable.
10,10
